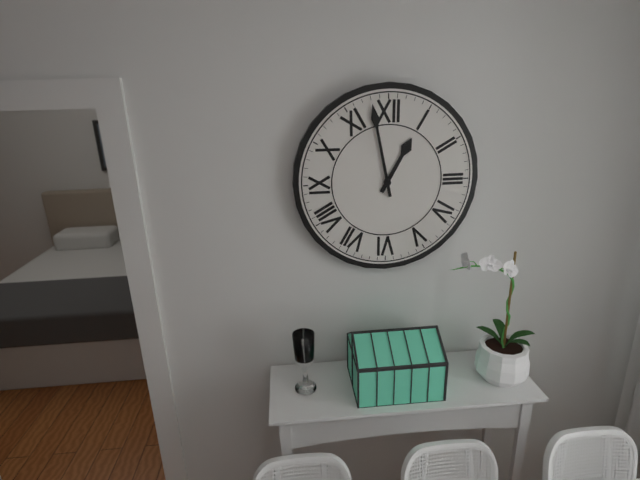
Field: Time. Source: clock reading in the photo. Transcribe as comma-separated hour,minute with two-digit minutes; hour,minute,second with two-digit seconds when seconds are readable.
12,58
